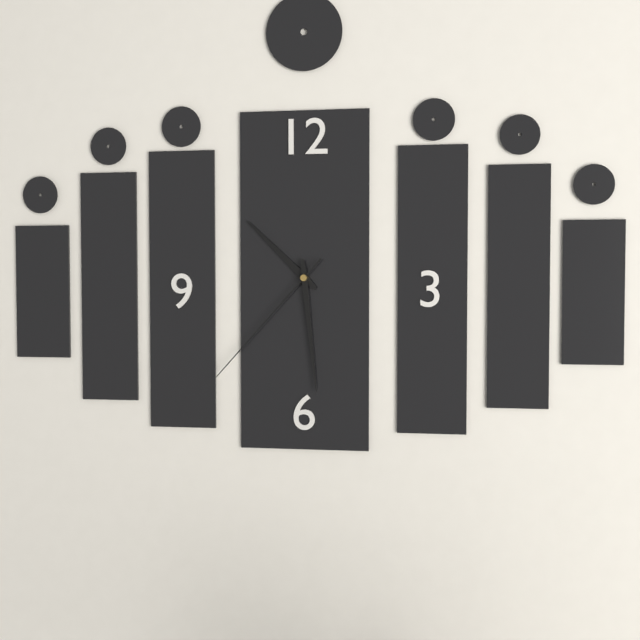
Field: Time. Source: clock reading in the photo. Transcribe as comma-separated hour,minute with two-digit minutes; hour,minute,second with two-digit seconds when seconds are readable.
10,29,37
